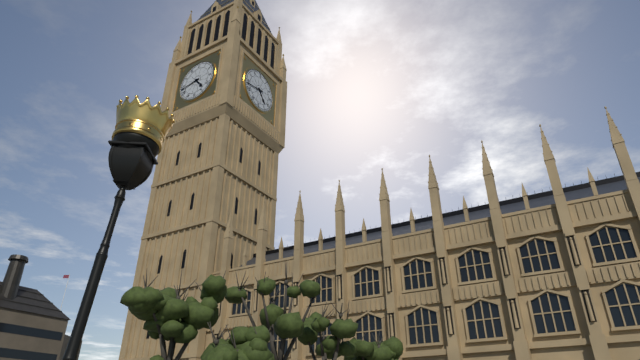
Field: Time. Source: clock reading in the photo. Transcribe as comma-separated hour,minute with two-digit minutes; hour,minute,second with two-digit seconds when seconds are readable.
4,43
